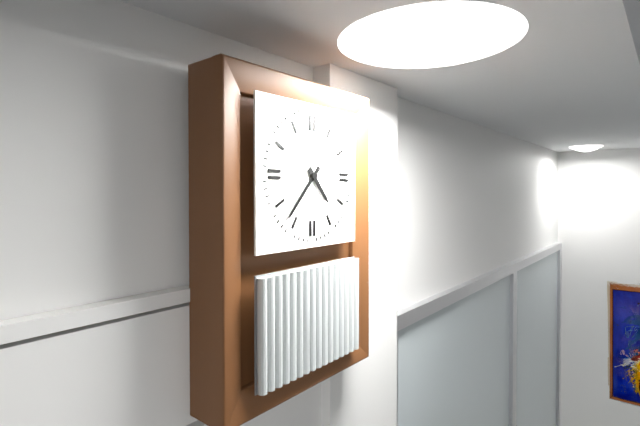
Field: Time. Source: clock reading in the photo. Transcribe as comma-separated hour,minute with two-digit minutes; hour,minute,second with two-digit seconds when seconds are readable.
4,37
